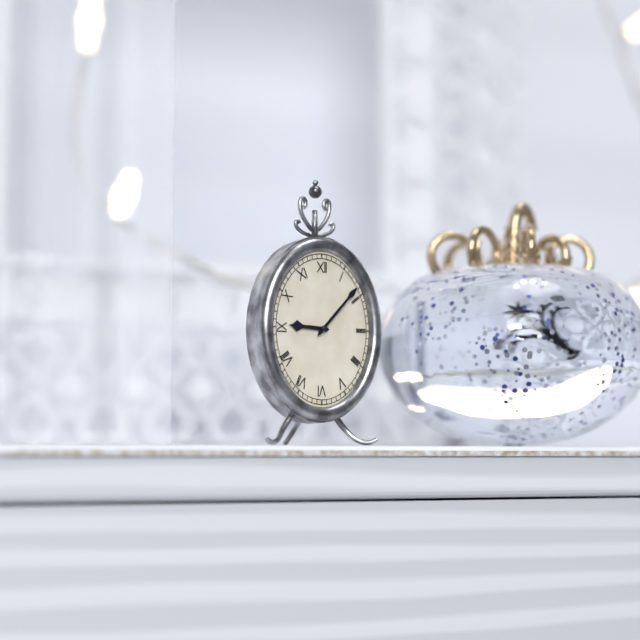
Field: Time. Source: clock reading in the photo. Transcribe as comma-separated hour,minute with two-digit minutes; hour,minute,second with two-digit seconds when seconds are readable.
9,07
